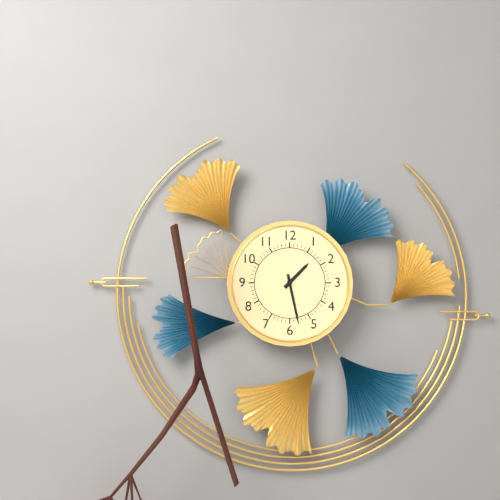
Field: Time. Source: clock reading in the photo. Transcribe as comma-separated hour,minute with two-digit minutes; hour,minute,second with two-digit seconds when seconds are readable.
1,28
